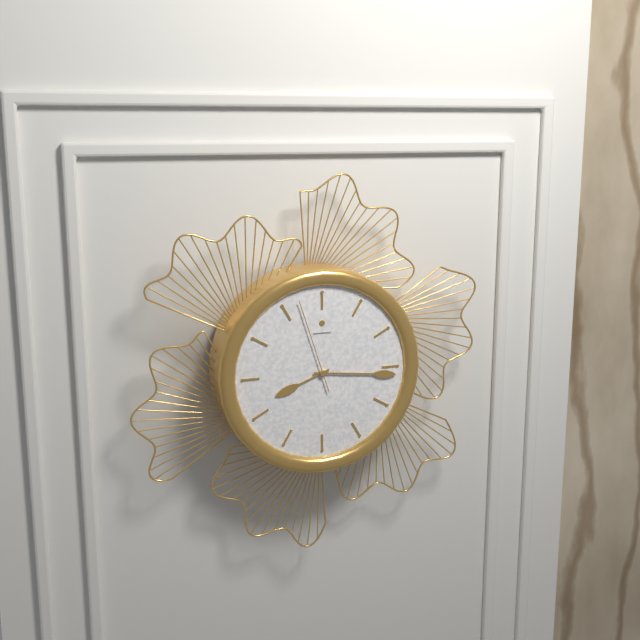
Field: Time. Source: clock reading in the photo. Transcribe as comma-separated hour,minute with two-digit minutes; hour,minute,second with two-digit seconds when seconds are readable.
8,16,57
